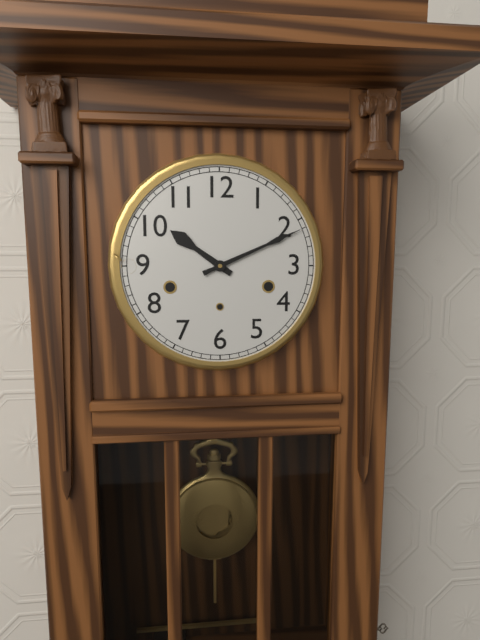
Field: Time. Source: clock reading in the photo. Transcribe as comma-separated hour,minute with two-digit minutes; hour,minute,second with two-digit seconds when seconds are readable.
10,11
